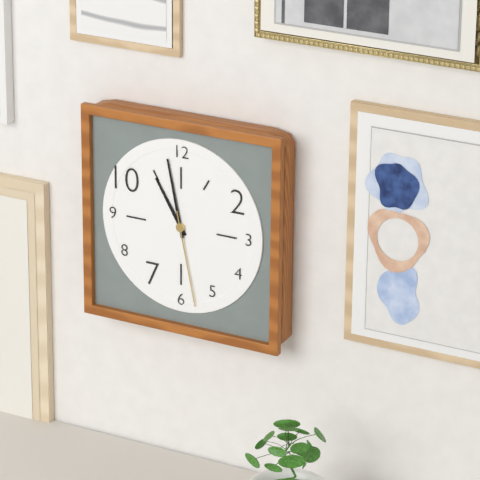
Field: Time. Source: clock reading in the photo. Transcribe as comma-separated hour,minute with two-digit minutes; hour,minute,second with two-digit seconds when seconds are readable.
10,58,28
